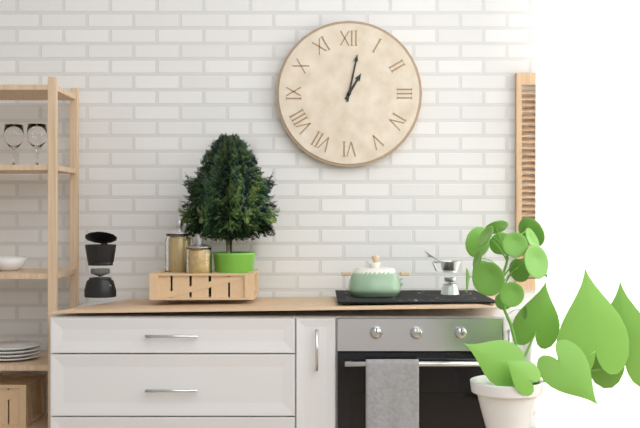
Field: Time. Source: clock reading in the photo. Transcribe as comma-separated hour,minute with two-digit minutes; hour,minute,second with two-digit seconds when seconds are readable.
1,02
